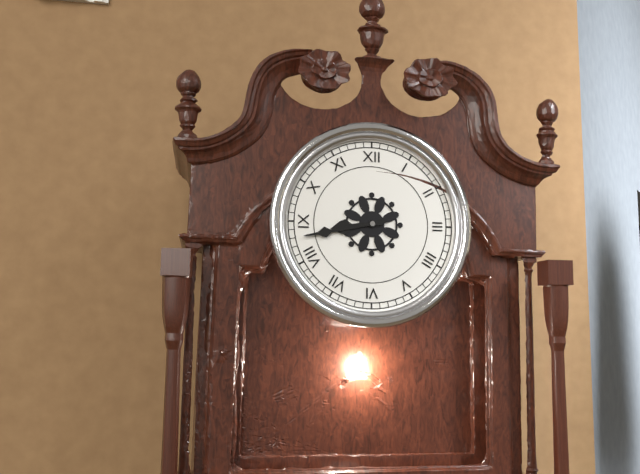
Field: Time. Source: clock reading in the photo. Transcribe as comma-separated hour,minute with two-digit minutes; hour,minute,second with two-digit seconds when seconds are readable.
8,43
